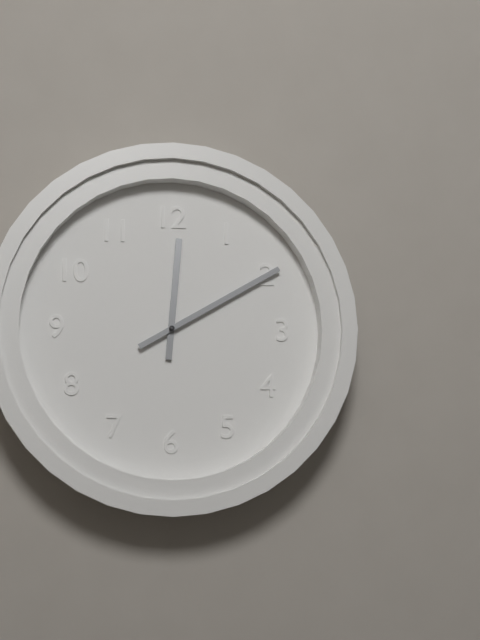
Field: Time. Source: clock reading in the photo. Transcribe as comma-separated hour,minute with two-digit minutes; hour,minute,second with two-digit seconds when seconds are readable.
12,10
